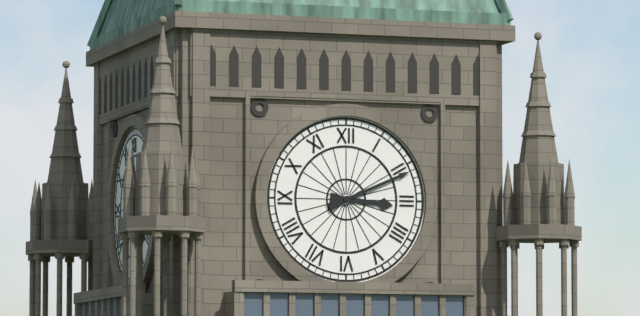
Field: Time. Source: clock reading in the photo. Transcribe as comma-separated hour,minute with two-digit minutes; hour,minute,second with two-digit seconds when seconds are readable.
3,11
